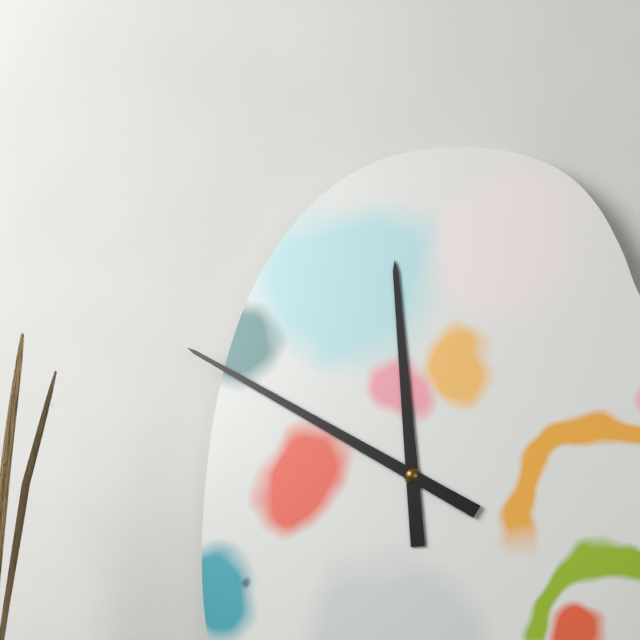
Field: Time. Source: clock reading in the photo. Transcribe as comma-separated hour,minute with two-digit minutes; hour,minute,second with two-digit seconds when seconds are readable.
11,50
